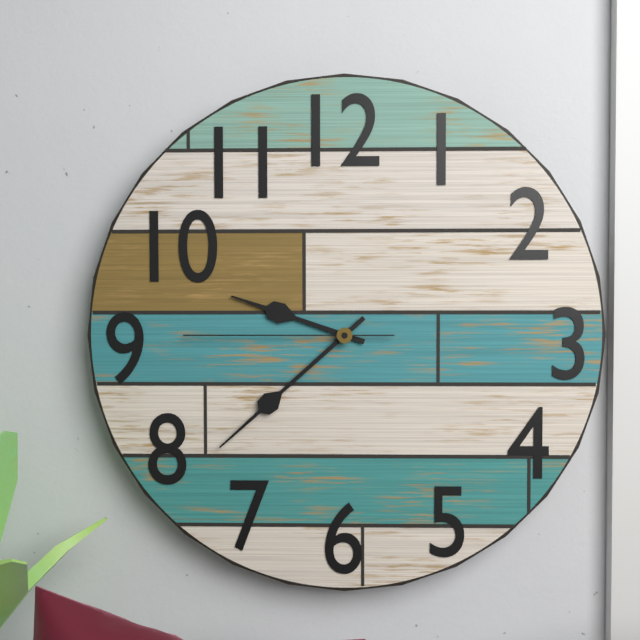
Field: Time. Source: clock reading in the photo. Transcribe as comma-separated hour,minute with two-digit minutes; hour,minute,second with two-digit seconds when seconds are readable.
9,38,45
